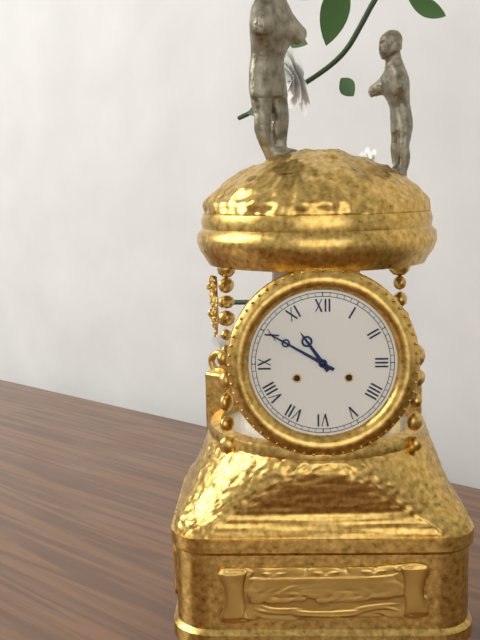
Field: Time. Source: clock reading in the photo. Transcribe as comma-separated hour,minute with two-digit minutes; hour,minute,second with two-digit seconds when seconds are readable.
10,50
